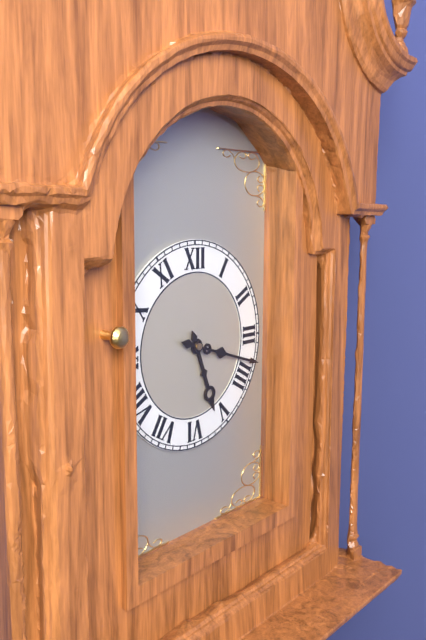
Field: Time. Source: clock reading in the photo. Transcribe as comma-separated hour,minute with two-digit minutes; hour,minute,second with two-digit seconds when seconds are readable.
5,18
